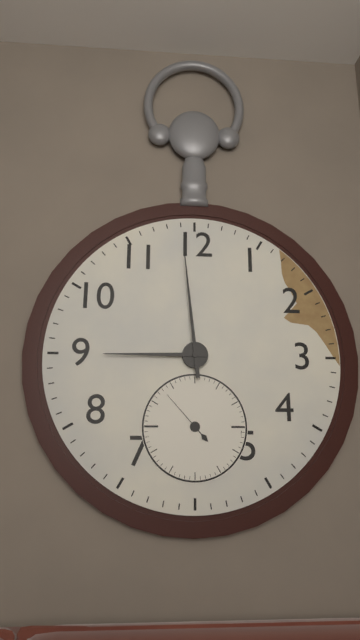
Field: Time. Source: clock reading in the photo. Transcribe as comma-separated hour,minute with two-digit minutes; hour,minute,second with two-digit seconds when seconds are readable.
8,59,53
